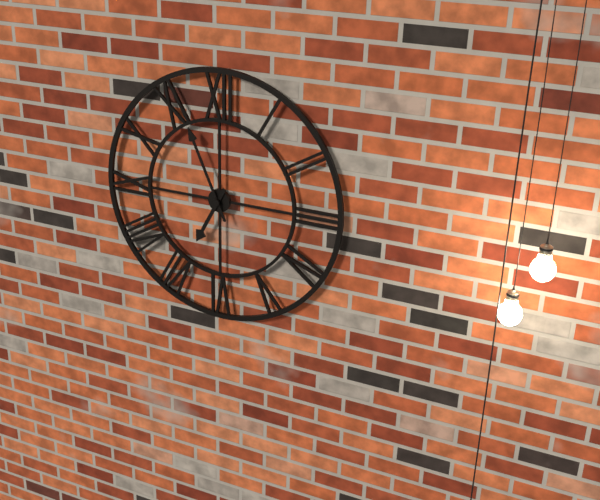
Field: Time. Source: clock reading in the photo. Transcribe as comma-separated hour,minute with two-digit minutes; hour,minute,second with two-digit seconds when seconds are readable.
6,56
